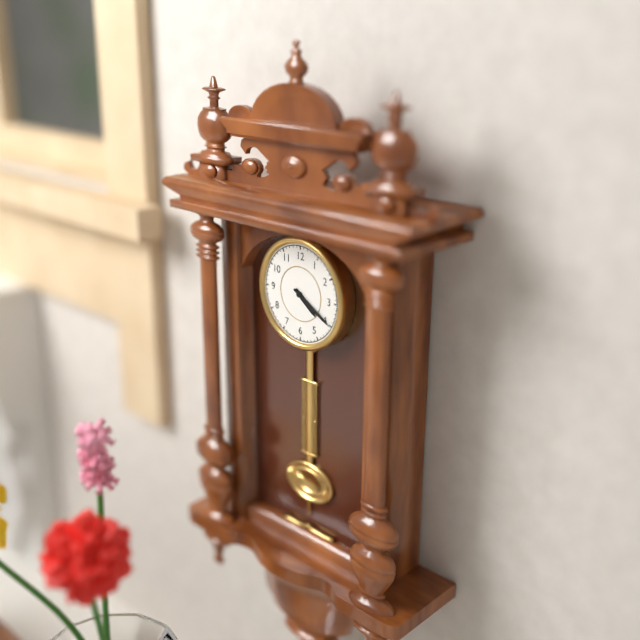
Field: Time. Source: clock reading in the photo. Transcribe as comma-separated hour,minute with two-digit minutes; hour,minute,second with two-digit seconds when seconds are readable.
4,20
